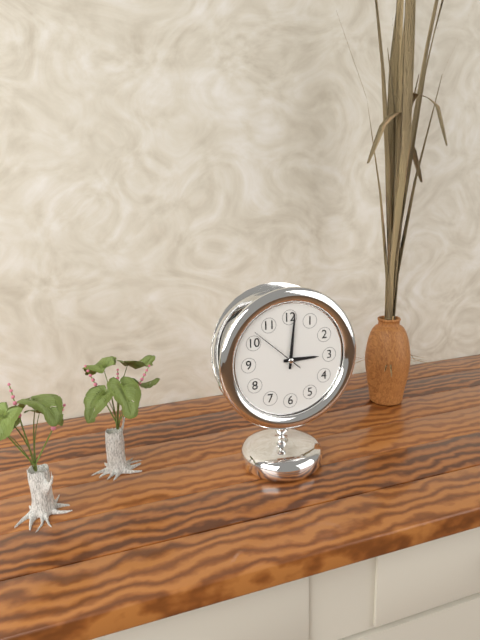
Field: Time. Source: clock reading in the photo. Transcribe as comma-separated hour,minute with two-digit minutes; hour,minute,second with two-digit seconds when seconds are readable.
3,01,52
